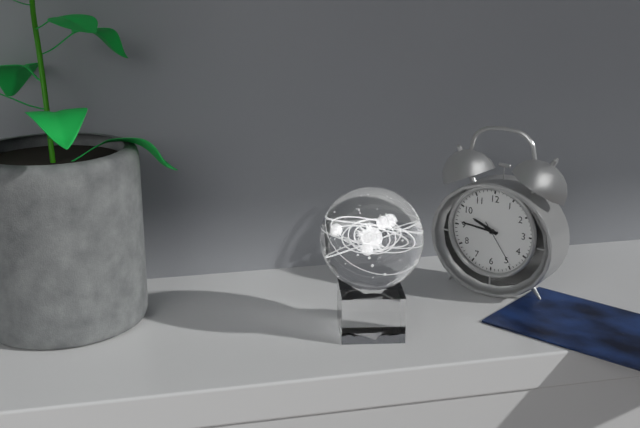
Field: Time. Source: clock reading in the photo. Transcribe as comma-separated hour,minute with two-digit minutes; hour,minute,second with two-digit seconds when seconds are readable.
9,46
